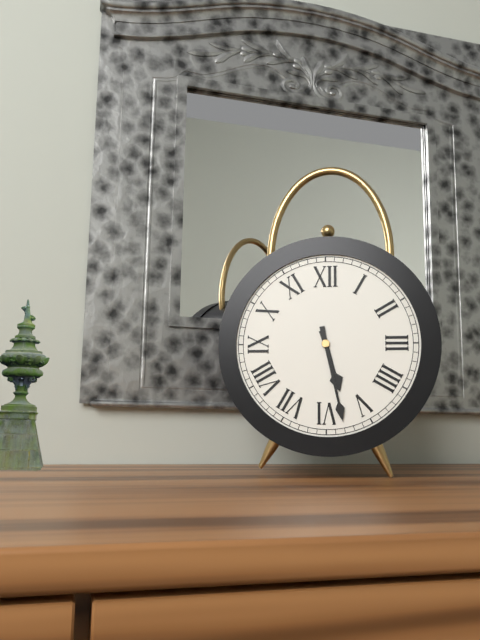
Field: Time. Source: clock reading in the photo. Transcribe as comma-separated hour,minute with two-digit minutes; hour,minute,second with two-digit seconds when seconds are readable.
5,28
